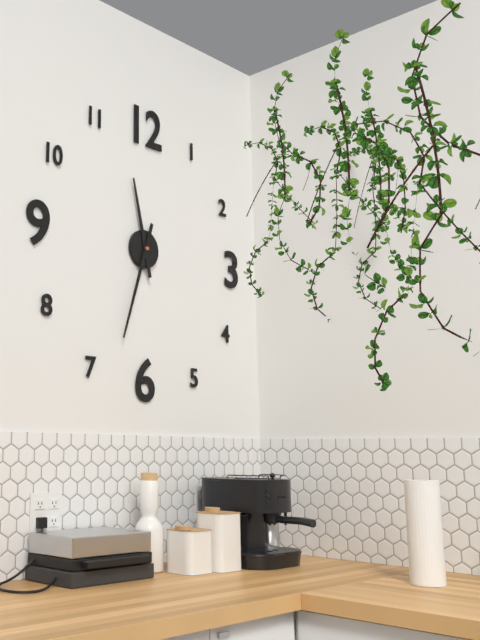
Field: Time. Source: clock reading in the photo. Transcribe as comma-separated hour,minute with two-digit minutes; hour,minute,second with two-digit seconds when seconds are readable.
11,33
